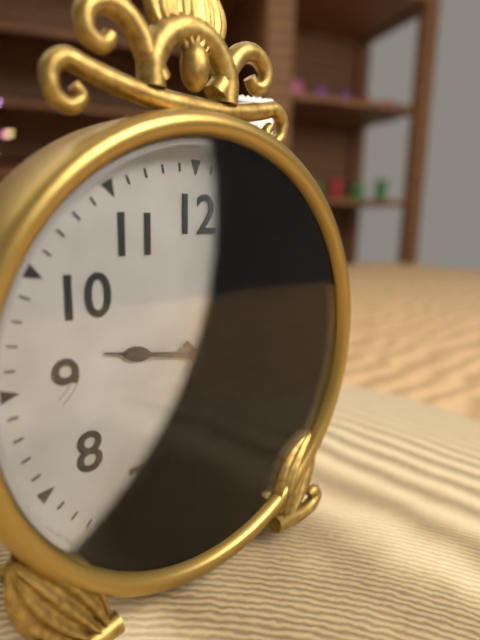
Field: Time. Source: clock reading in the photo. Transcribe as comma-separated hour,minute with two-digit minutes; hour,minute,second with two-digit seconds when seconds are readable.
9,22
